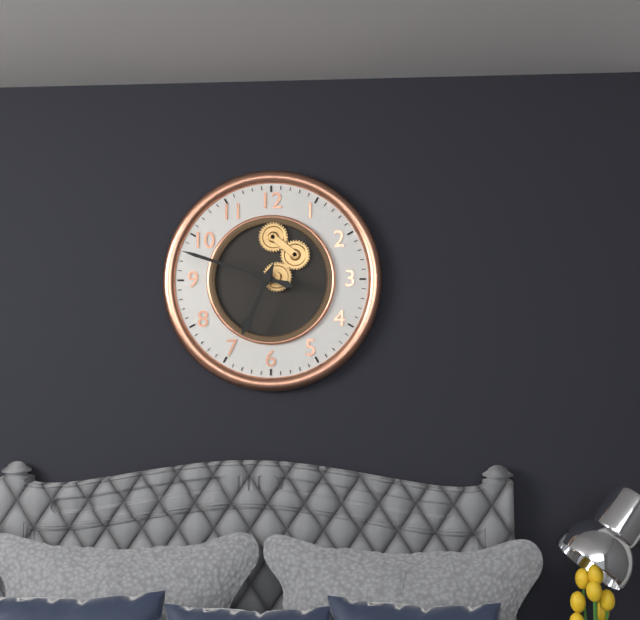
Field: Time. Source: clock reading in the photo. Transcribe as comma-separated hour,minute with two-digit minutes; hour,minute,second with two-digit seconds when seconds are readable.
6,48
